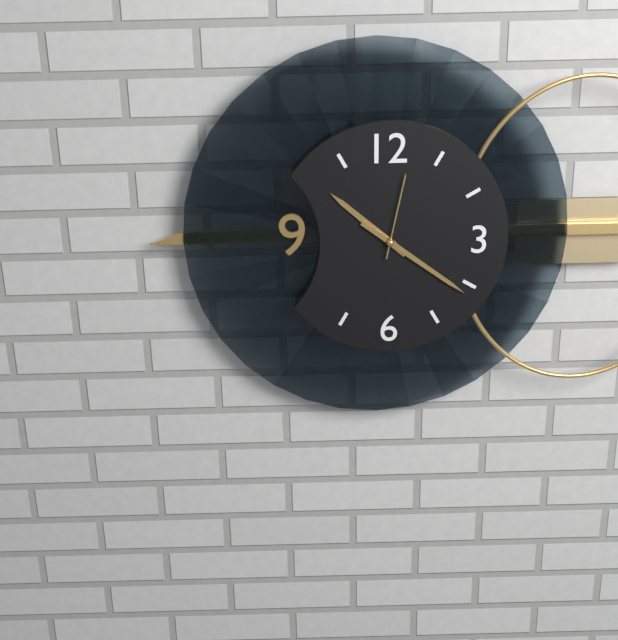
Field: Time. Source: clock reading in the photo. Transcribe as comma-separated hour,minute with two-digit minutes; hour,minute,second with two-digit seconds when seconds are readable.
10,21,02
